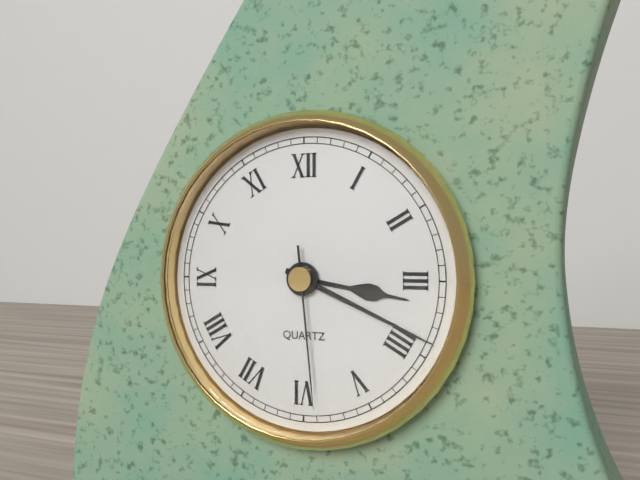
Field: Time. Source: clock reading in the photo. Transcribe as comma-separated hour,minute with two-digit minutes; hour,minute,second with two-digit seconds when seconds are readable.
3,19,29
